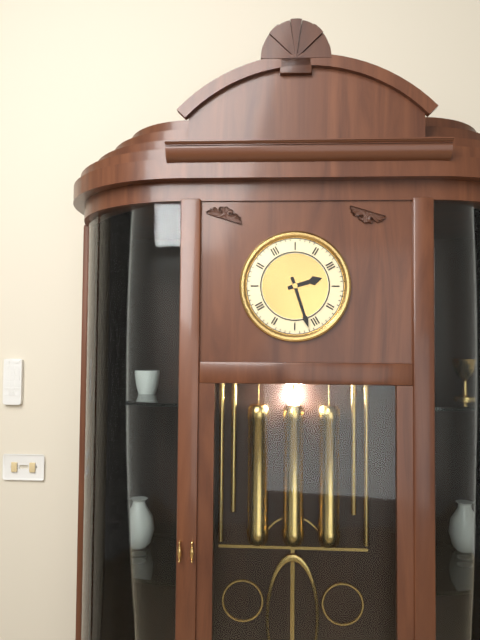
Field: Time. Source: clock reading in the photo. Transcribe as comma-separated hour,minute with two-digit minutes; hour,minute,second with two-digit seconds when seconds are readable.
2,27
